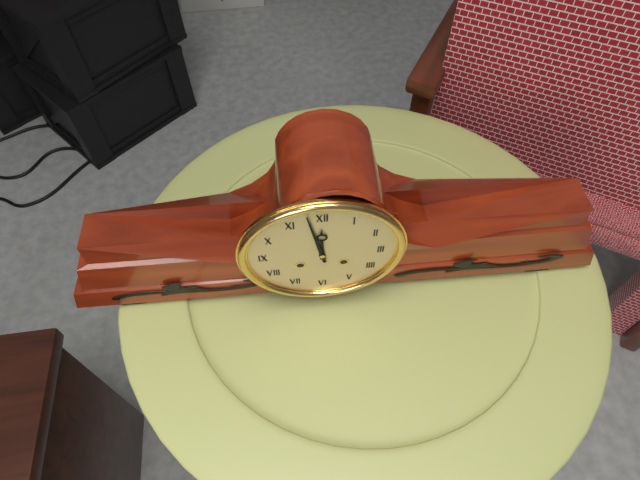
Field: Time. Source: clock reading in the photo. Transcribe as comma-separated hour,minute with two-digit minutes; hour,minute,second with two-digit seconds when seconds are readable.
11,58
